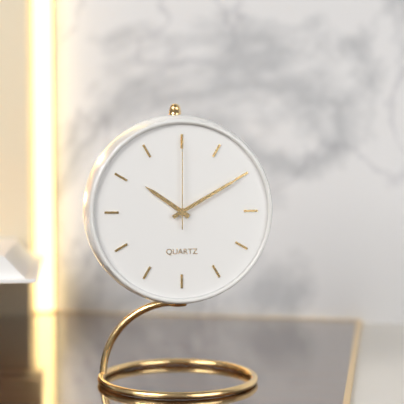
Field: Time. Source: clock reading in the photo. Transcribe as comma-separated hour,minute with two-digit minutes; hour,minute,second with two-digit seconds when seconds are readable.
10,10,00
